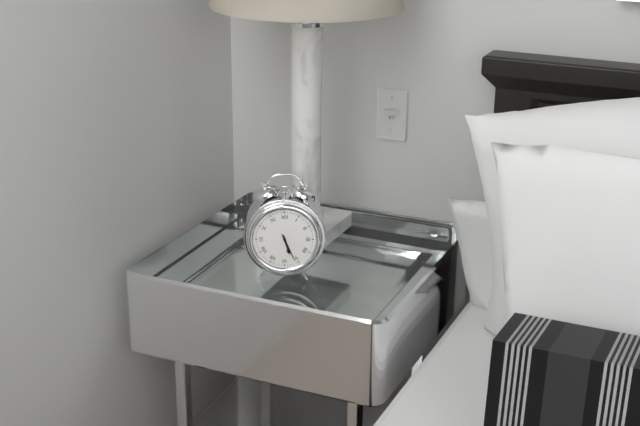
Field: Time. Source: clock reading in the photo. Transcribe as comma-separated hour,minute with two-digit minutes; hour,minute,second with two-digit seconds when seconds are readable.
5,26
